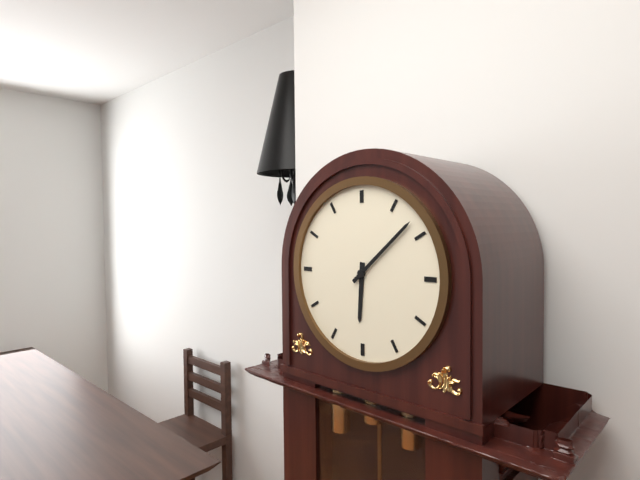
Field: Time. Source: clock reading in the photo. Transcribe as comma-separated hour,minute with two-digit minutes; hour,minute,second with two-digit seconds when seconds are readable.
6,08
